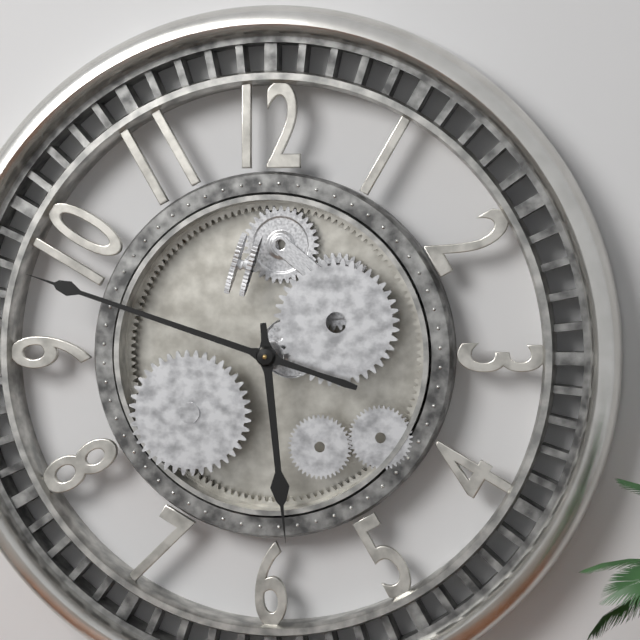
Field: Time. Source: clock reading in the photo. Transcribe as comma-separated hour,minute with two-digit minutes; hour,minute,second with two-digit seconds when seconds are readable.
5,48
